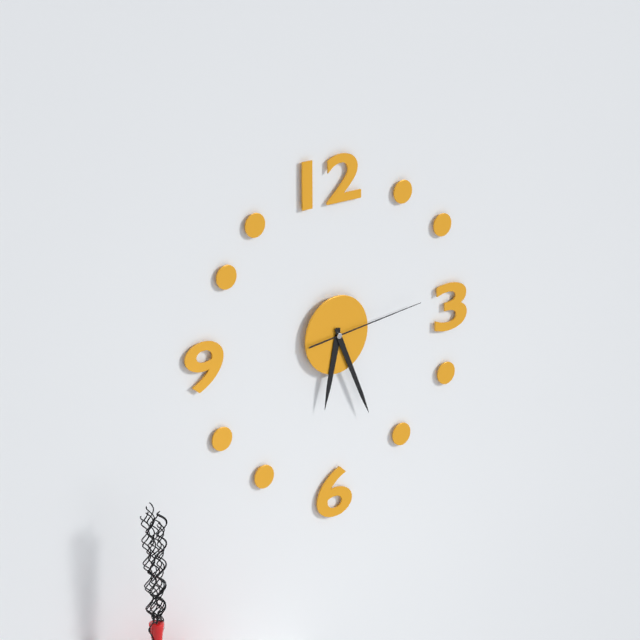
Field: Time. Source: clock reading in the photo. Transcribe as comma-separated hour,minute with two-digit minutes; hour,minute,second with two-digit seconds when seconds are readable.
6,26,14
